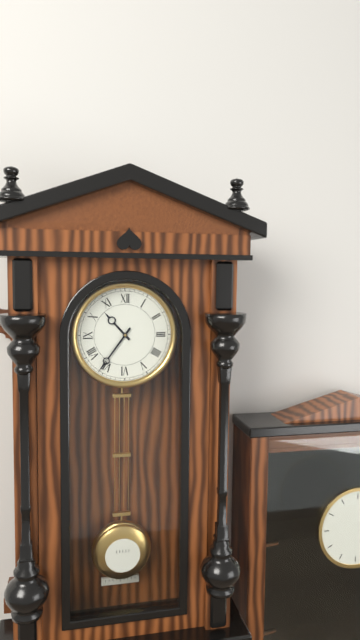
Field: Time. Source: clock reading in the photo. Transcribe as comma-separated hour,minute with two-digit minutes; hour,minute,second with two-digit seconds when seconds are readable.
10,36
